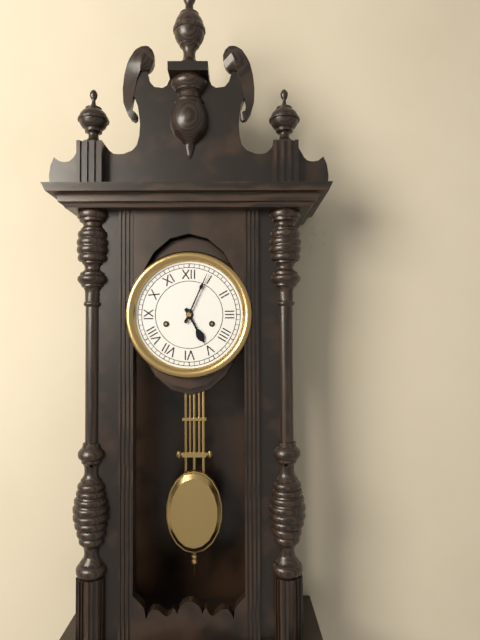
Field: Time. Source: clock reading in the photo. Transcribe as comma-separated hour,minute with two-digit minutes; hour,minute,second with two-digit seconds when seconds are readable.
5,04
